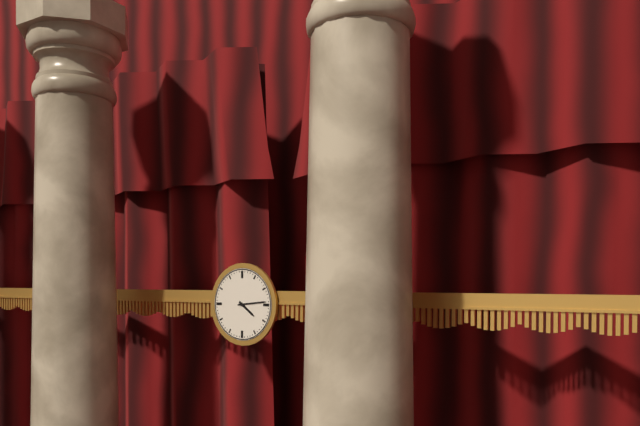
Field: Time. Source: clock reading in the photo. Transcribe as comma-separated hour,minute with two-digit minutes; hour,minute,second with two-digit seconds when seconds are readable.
4,14
